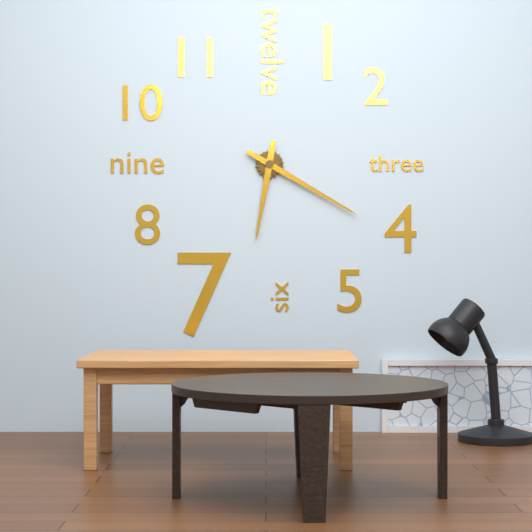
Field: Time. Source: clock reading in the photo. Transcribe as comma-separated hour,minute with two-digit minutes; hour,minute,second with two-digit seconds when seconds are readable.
6,20
